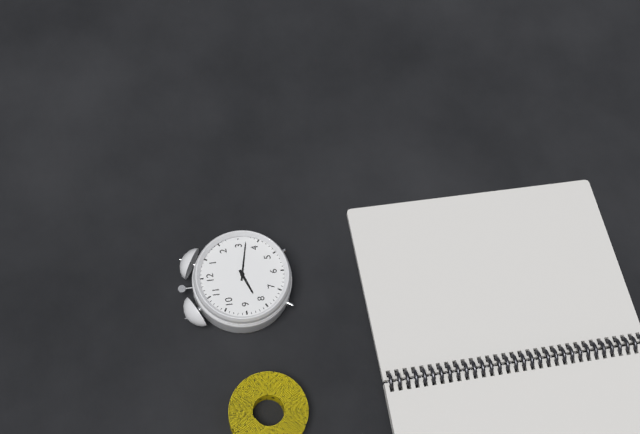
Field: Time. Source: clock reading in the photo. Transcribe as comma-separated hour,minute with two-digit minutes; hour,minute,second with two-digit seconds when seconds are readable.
8,17
